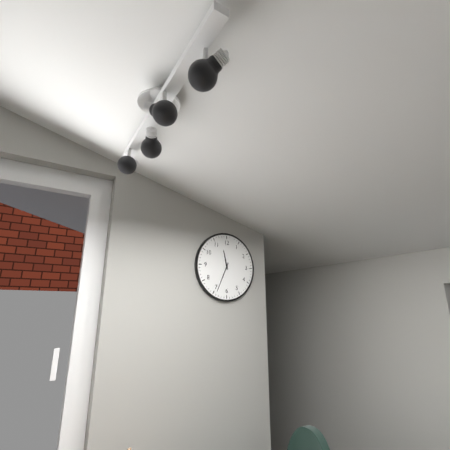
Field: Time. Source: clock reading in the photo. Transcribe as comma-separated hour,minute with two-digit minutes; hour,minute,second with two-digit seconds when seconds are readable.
11,34
